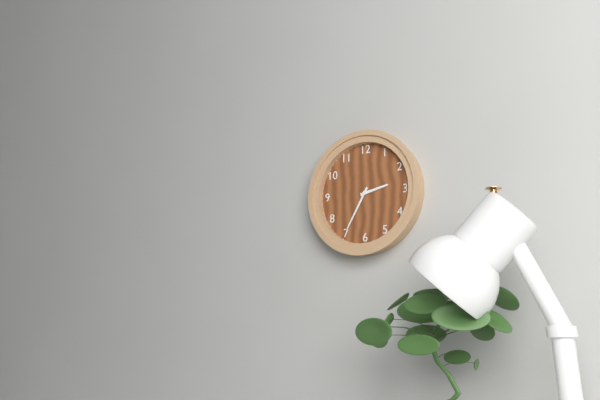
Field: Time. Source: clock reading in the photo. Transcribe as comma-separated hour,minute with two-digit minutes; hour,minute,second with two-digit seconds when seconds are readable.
2,35
